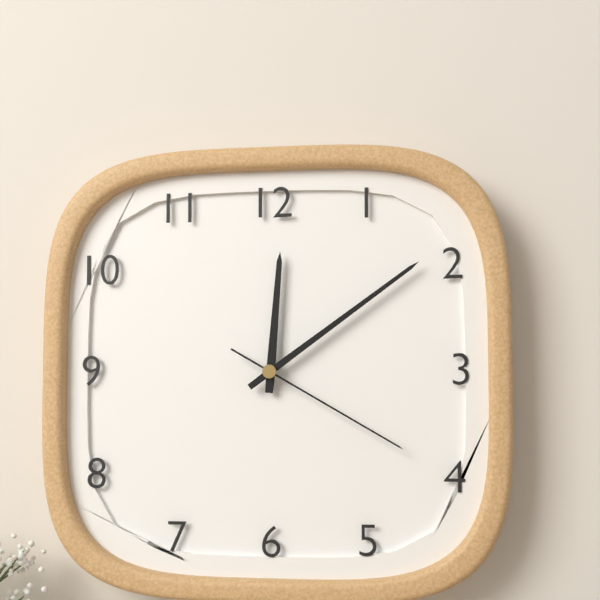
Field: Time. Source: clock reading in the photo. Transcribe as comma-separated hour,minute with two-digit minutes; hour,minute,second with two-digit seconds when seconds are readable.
12,09,20
